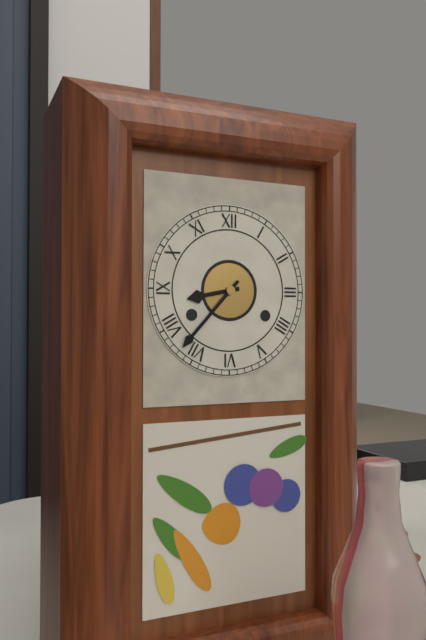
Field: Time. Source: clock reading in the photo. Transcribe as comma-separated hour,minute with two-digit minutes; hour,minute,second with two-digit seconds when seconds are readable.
8,37
